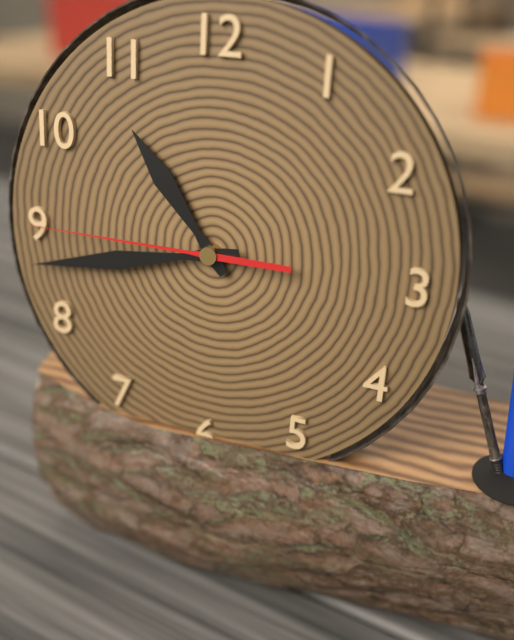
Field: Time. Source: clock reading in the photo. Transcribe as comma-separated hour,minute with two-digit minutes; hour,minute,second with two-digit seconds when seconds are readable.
10,43,45
